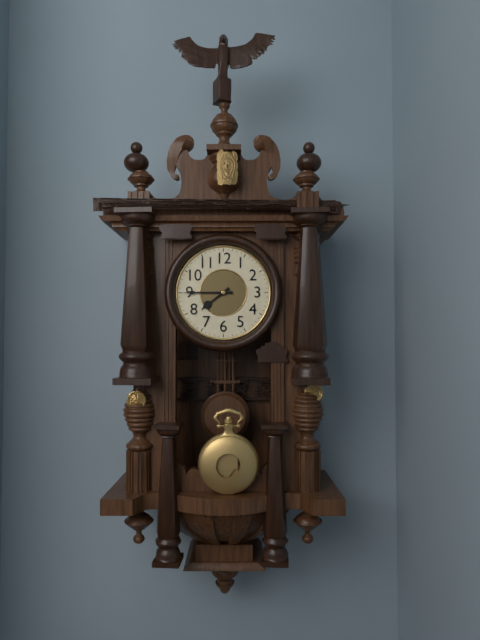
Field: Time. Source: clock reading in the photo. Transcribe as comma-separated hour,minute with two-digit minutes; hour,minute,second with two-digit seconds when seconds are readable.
7,45
